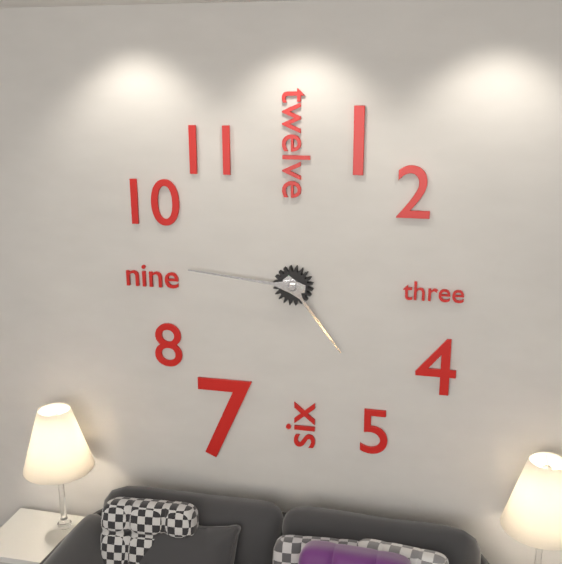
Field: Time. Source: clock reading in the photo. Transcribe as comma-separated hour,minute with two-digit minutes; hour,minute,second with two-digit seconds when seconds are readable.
4,46
